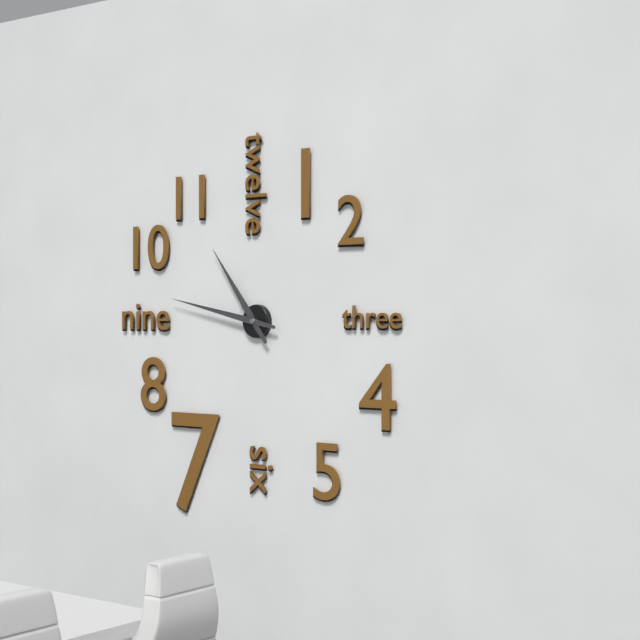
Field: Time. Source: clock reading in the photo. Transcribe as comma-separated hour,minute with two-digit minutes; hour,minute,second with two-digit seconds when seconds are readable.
10,47
